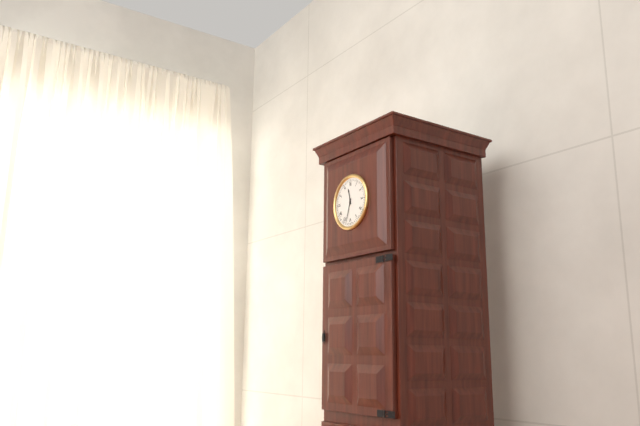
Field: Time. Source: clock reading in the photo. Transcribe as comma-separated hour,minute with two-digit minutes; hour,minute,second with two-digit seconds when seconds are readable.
11,33
